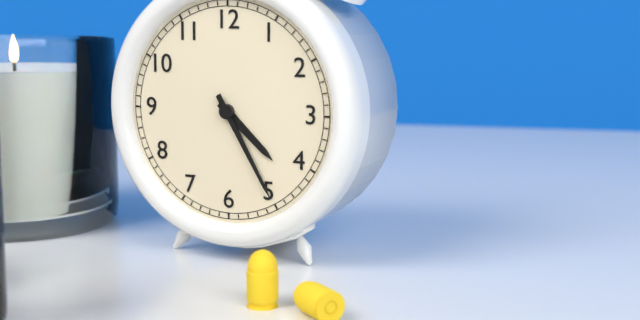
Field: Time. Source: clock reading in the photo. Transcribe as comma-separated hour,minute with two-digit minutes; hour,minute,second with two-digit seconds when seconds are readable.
4,25
